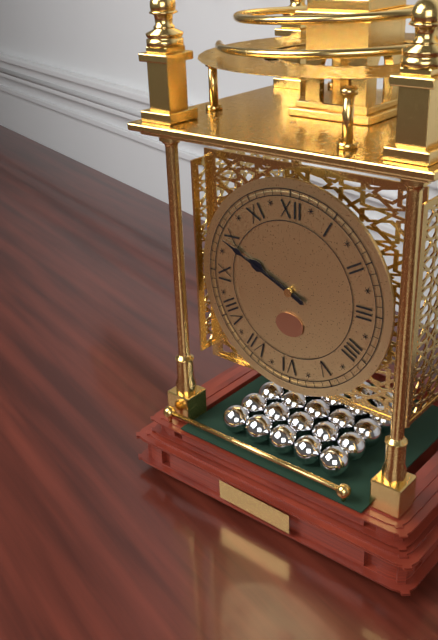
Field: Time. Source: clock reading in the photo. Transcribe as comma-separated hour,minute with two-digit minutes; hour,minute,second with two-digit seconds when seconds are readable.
9,49
